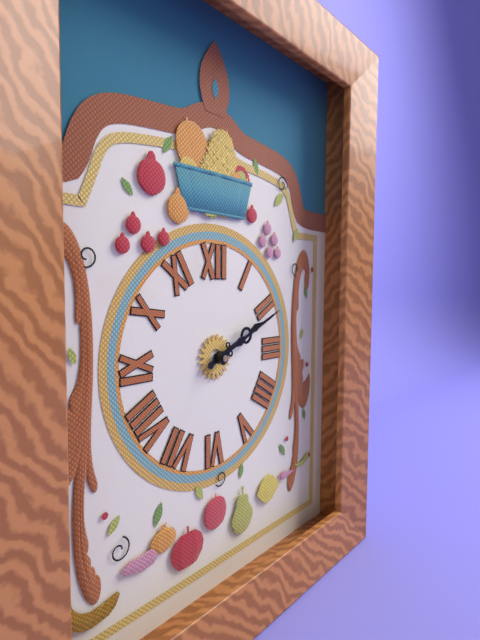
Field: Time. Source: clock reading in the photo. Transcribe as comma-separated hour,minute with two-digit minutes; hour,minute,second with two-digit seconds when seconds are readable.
2,11
